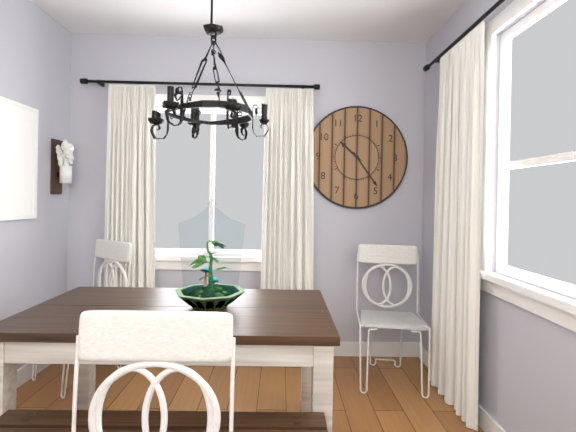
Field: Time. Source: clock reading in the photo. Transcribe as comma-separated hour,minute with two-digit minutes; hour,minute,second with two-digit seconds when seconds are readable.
10,24
